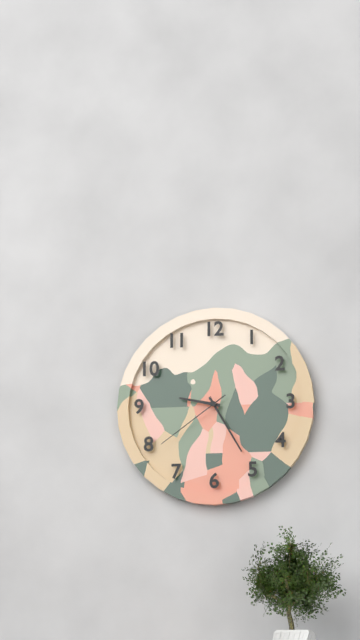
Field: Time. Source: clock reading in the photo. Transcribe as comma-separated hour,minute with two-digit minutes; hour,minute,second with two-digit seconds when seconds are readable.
9,25,39
